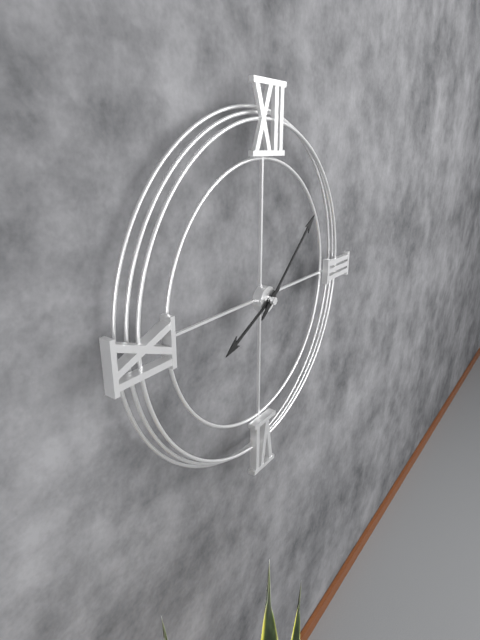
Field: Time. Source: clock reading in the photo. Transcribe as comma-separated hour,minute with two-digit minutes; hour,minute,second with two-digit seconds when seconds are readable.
8,08
